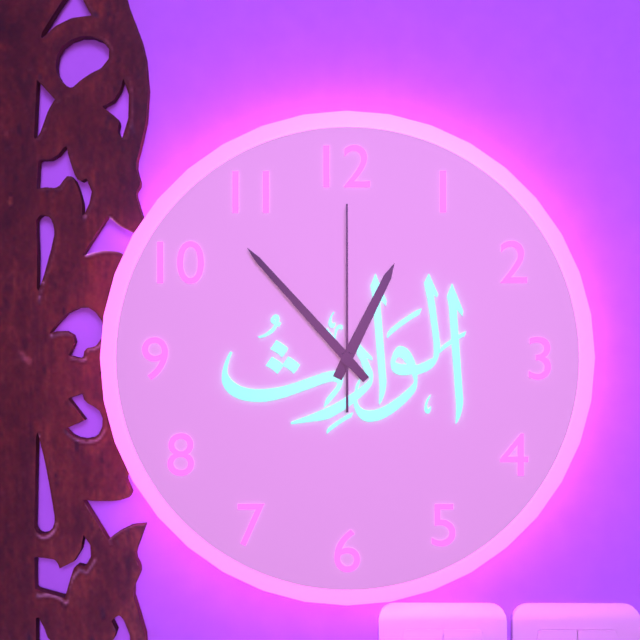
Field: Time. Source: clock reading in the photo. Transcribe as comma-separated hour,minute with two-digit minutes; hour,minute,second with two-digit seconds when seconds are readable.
12,53,00
